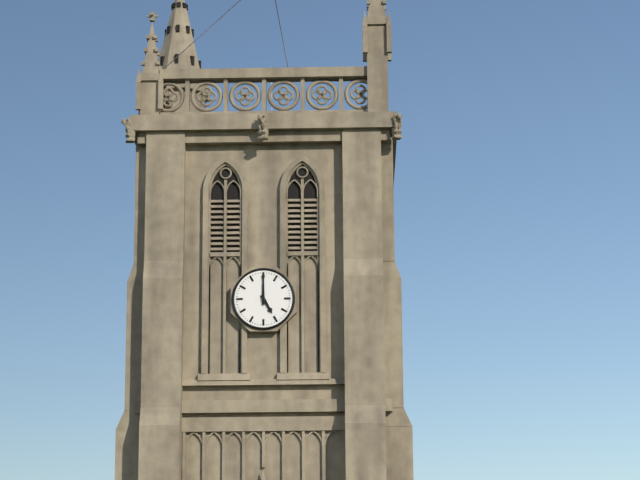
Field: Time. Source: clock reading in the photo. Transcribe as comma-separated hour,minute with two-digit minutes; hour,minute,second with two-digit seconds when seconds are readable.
5,00
